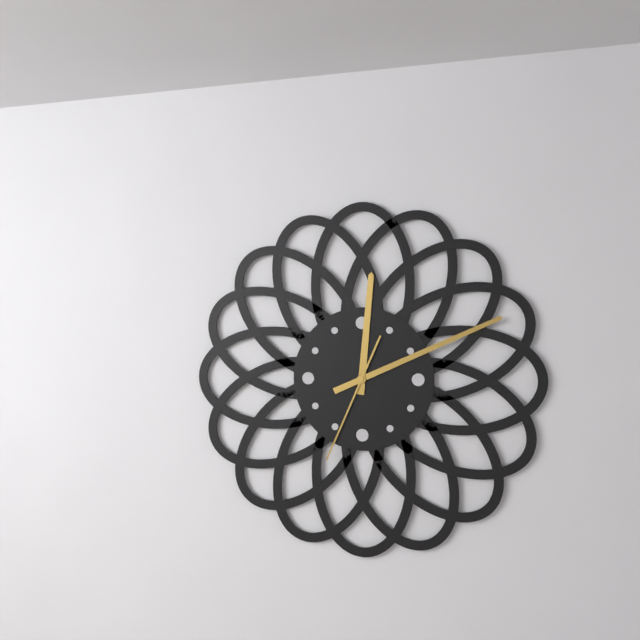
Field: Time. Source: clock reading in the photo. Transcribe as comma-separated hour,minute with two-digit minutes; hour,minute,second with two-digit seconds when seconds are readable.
12,11,34
